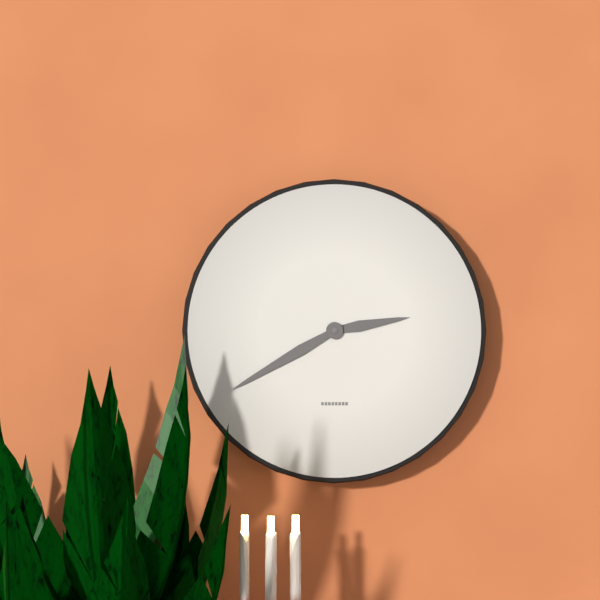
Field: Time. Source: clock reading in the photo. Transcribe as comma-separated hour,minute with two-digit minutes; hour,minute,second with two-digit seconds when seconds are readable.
2,40
